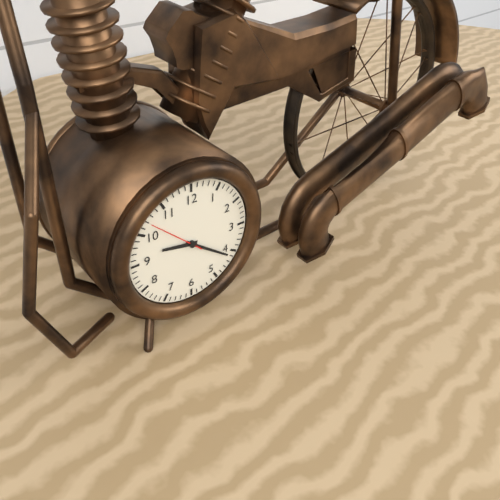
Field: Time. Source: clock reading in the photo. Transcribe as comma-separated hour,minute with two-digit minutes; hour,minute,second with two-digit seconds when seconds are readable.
9,21,52
